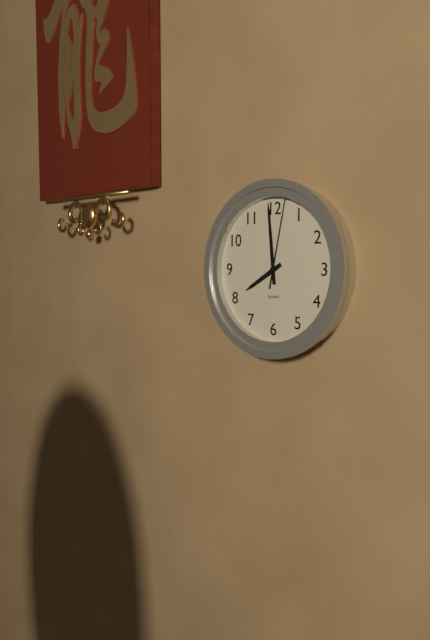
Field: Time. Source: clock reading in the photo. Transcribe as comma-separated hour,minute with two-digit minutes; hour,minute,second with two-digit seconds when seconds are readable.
7,59,02
